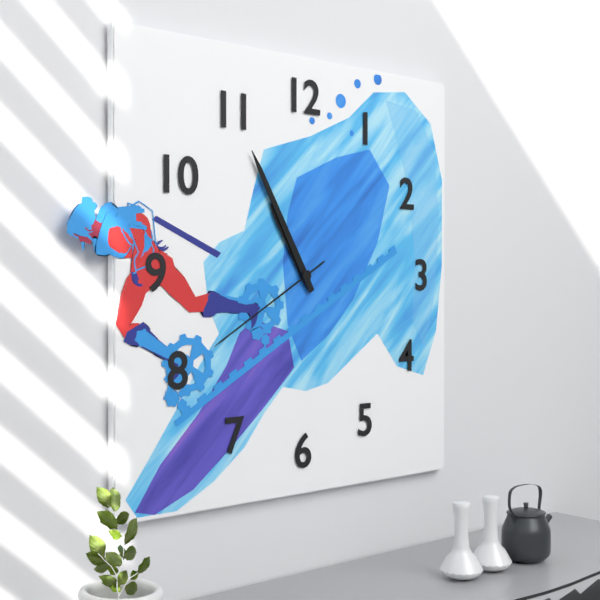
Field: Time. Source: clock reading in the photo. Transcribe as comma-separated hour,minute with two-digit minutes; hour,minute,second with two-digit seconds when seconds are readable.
10,55,40
